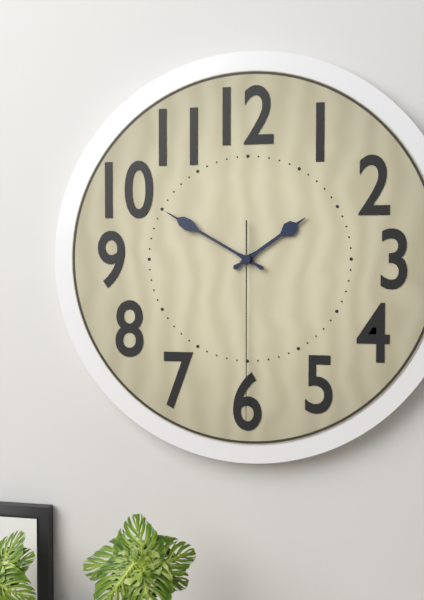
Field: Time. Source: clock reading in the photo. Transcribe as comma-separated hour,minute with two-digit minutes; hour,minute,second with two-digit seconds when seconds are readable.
1,50,30
